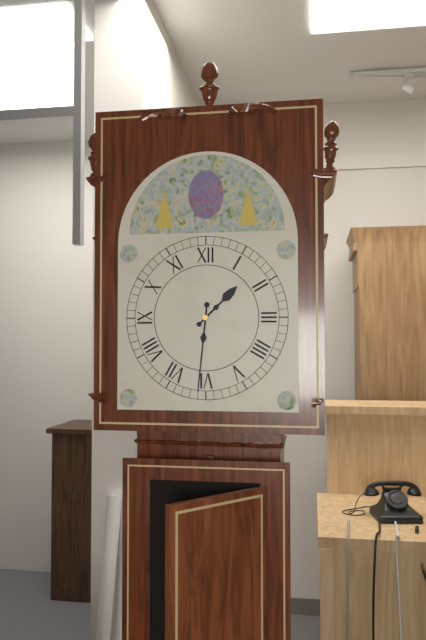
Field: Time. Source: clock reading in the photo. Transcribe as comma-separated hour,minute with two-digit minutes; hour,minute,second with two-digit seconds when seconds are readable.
1,31
